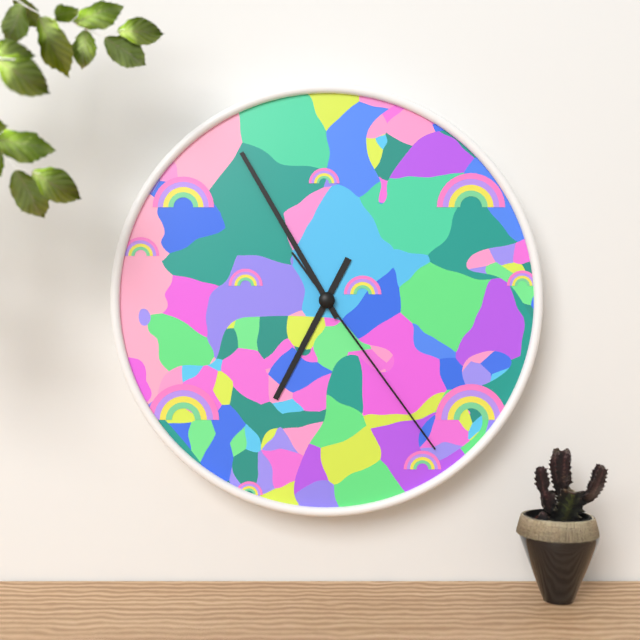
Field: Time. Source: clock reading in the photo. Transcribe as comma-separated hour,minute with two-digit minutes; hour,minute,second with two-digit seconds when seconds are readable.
6,55,24
